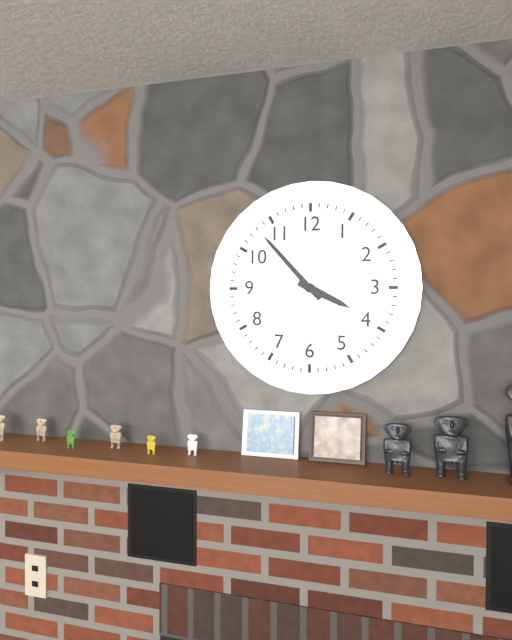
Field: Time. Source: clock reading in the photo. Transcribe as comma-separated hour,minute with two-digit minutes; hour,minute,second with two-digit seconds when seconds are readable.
3,53
